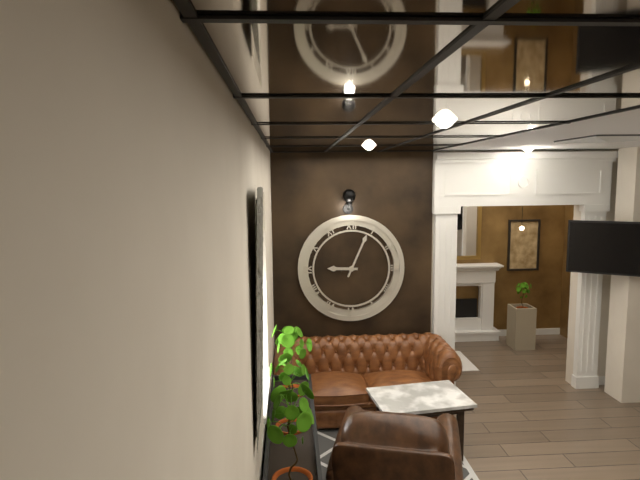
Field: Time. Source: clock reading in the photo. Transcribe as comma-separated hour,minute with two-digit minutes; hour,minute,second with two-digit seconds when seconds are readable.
9,04
